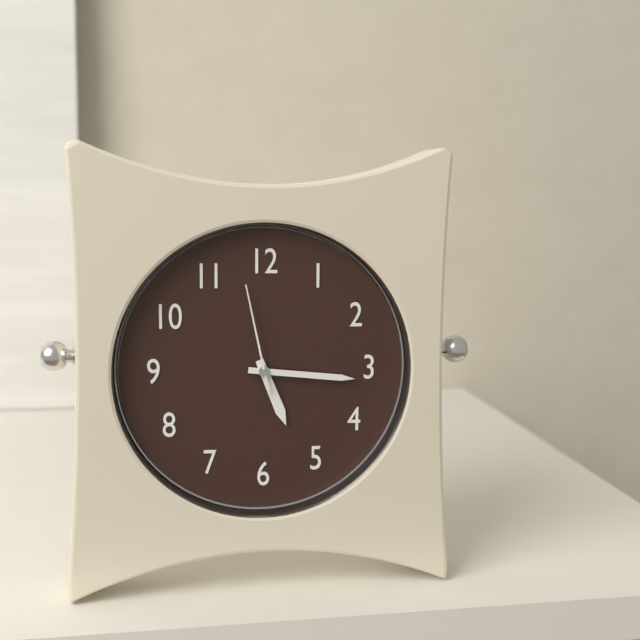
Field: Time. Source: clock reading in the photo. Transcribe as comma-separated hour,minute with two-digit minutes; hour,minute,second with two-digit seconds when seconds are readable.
5,16,58
